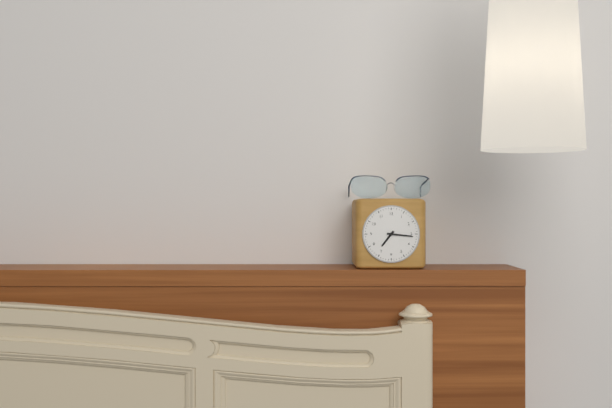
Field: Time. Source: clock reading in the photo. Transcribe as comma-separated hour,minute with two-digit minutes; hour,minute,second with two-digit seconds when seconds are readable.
7,16
